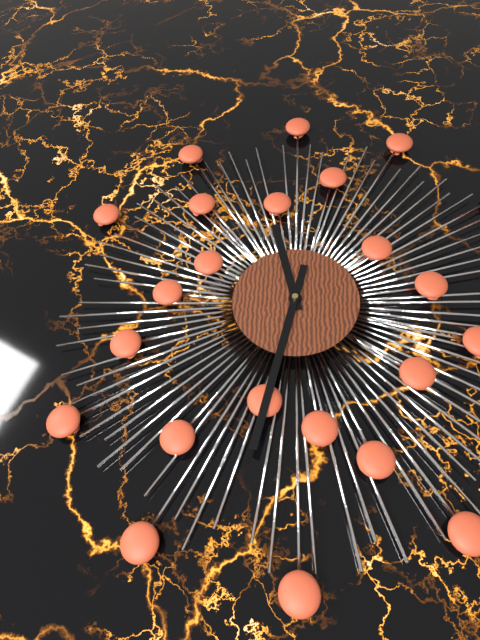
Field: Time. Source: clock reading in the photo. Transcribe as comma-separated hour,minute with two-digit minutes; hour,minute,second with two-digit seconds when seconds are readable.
11,32
